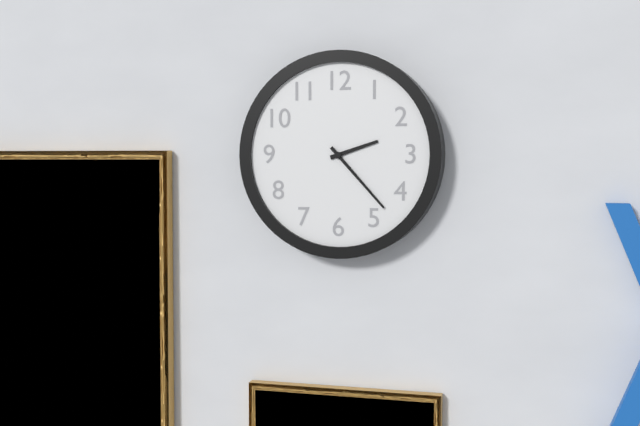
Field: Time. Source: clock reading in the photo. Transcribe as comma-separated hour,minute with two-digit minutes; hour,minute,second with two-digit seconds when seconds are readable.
2,23
